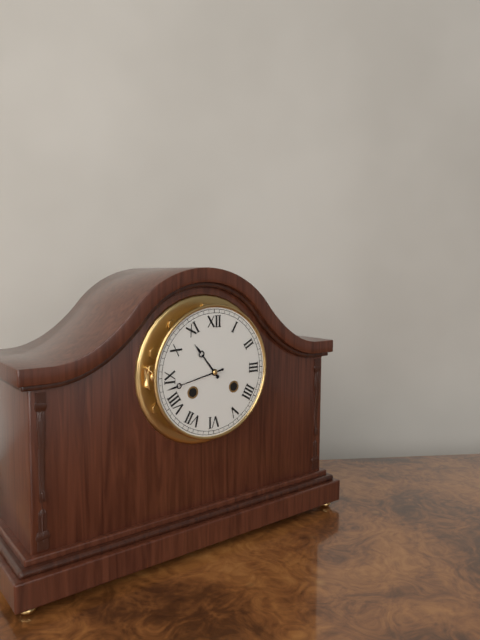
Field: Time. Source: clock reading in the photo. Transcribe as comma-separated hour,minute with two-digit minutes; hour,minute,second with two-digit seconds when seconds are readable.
10,43
